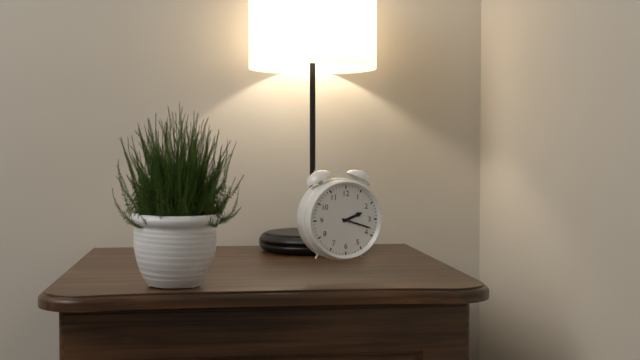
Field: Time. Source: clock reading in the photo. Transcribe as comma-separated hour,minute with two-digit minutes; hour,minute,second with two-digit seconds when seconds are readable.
2,18
